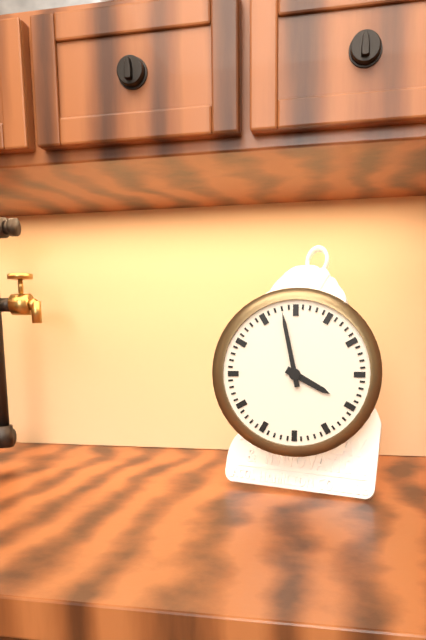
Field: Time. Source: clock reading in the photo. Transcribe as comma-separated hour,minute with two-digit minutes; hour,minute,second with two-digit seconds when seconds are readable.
3,58
